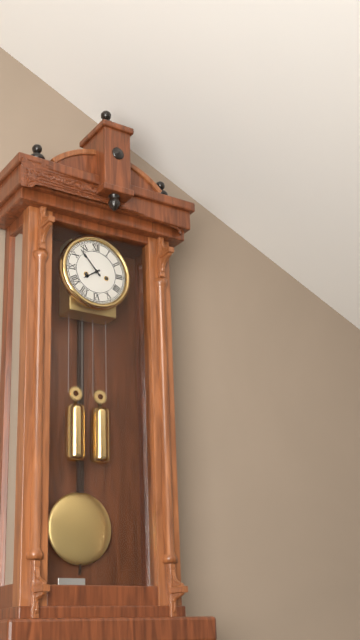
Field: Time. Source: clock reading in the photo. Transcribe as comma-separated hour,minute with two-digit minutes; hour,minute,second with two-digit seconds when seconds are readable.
7,53
